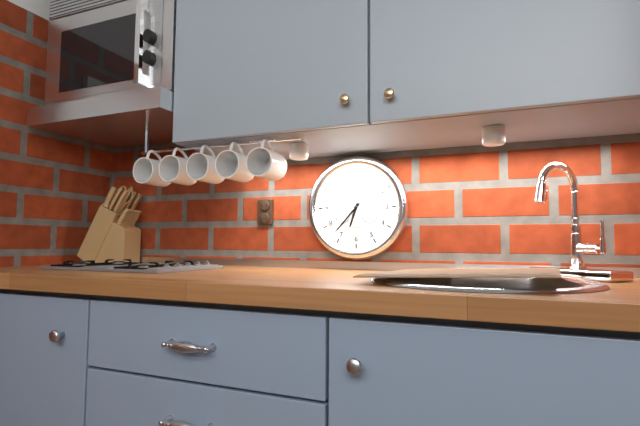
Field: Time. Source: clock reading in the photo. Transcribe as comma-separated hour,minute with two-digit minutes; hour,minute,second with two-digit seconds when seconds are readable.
6,37
